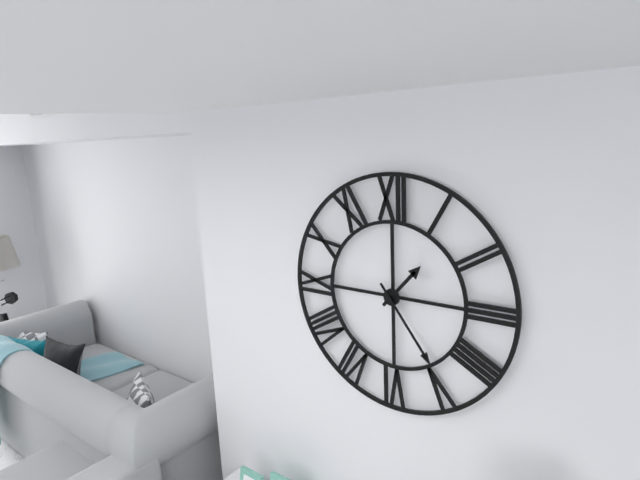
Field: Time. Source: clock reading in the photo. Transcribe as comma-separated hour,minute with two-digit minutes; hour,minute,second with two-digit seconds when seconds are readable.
1,24
